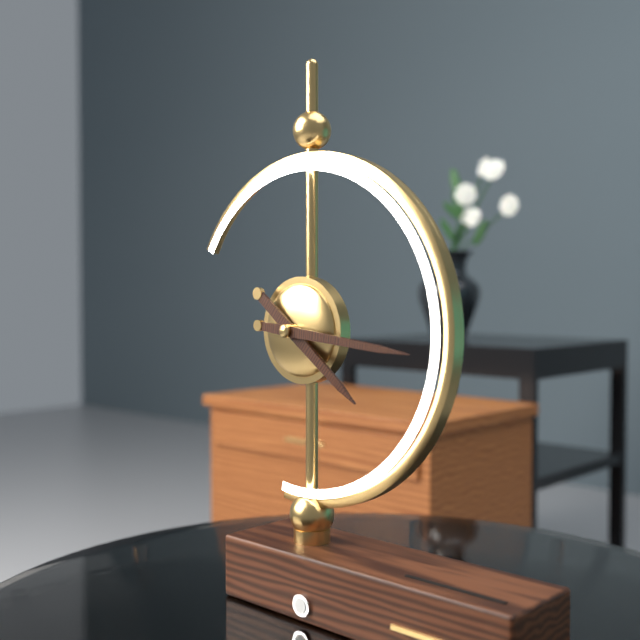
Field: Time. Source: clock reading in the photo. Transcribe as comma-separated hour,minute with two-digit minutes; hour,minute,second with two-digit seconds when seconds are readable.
4,16
